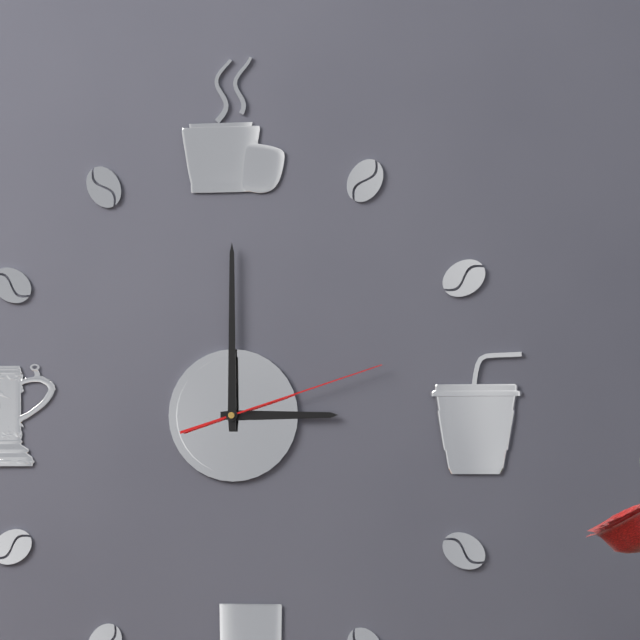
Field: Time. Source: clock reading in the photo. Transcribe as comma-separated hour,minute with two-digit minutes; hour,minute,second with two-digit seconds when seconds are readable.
3,00,12
